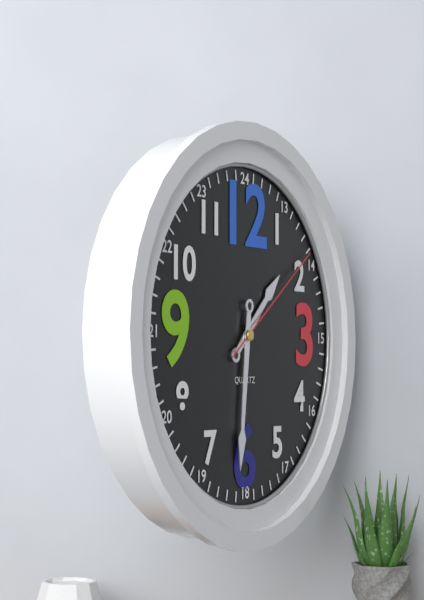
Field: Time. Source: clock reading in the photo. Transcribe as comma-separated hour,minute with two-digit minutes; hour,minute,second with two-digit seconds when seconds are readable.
1,31,09
